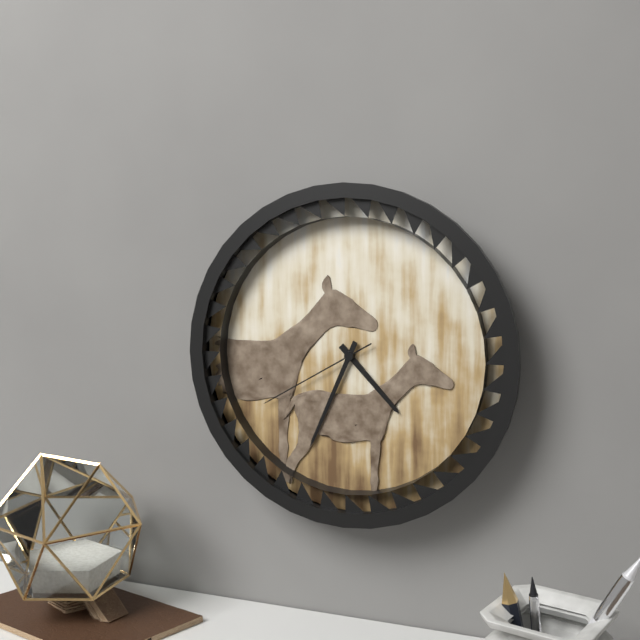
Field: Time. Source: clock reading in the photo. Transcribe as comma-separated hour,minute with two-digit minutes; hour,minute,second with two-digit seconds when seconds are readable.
4,34,40
